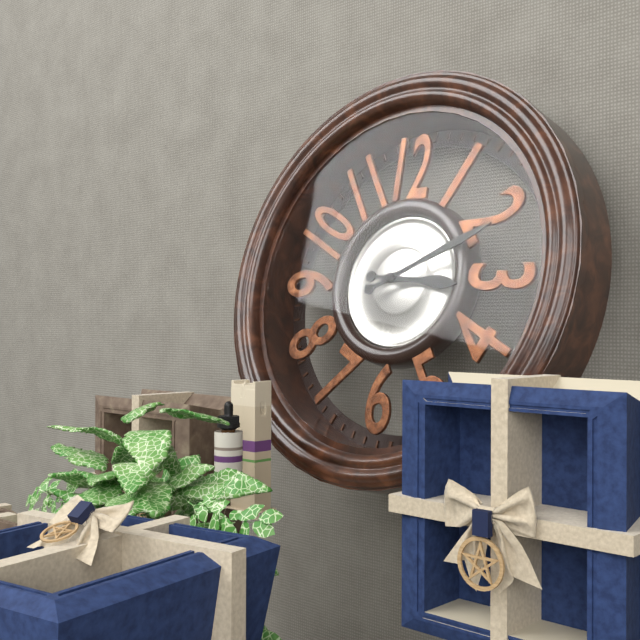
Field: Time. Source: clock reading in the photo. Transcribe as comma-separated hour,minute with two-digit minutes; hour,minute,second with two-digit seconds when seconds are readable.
3,11
